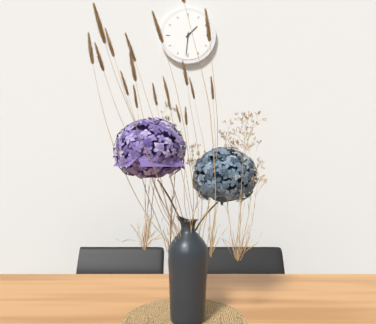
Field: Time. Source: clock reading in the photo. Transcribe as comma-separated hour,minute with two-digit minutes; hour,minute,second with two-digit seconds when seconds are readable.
1,31
